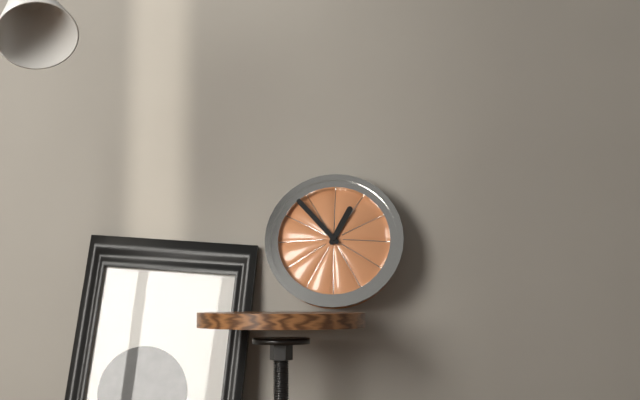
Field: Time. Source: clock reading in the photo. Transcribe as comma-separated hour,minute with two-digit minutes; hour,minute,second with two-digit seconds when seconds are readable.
12,53
